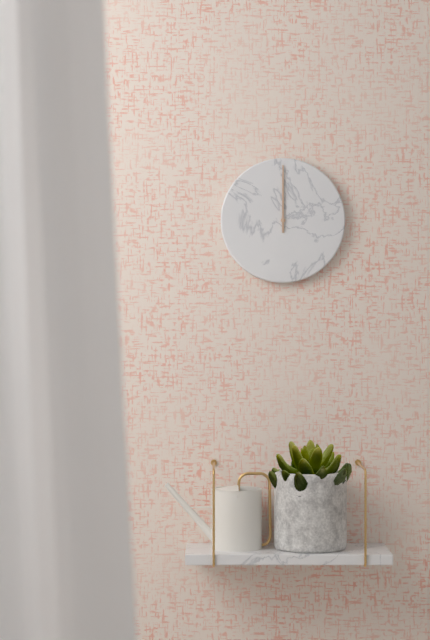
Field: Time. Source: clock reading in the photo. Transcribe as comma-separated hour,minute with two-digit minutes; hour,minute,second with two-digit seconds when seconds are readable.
12,00
